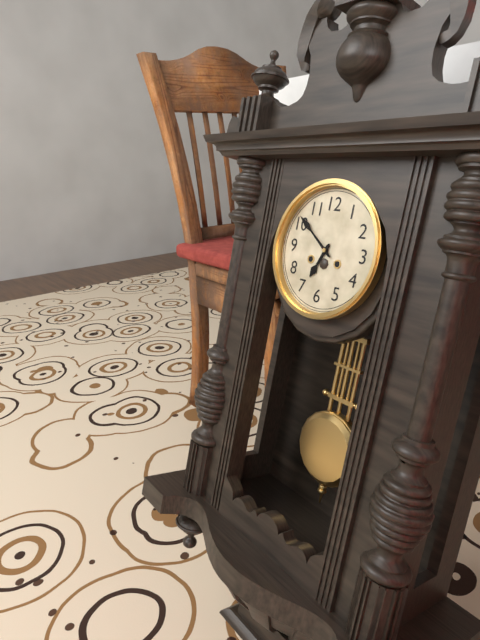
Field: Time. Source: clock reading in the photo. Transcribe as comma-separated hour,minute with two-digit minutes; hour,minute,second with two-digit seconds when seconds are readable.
6,51
